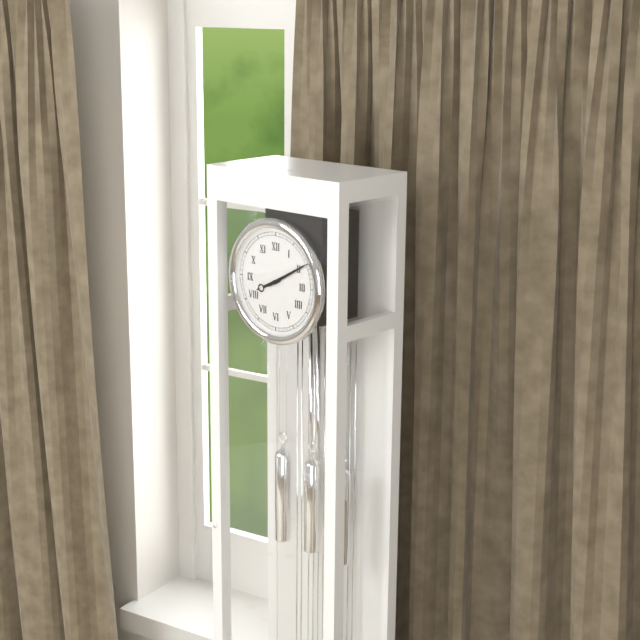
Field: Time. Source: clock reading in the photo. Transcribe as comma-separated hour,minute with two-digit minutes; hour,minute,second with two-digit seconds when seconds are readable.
8,10
